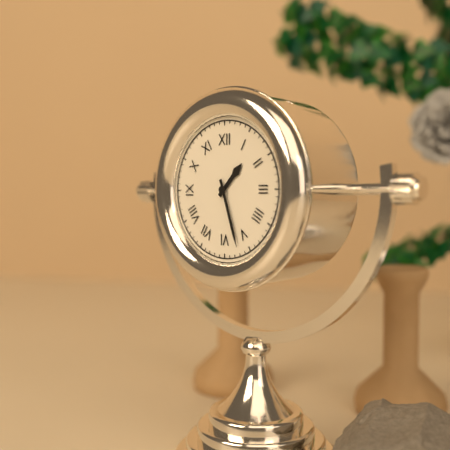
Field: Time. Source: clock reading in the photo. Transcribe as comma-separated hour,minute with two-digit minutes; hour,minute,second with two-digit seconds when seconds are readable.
1,27
